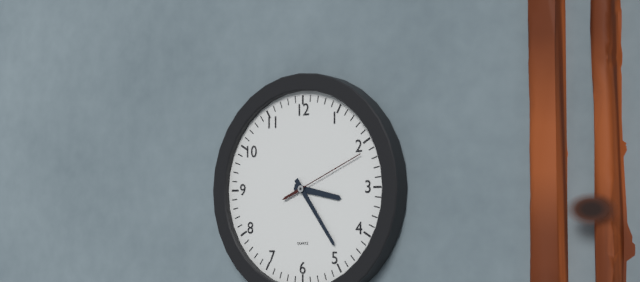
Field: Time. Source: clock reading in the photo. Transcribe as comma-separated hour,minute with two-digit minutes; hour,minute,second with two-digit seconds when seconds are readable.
3,24,11
